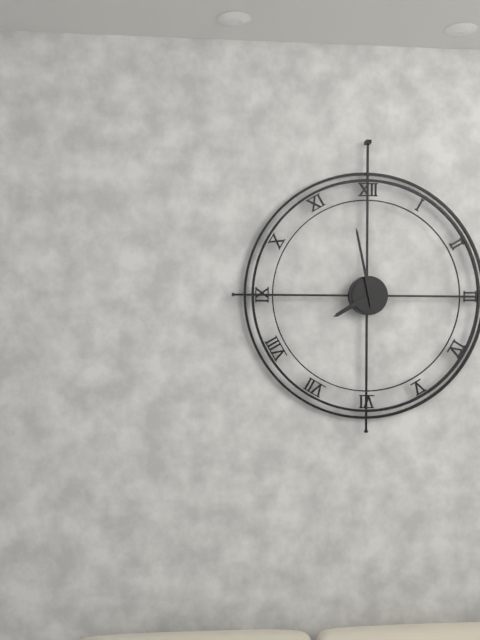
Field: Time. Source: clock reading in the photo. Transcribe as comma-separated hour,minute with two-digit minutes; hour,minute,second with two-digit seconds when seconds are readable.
7,58
